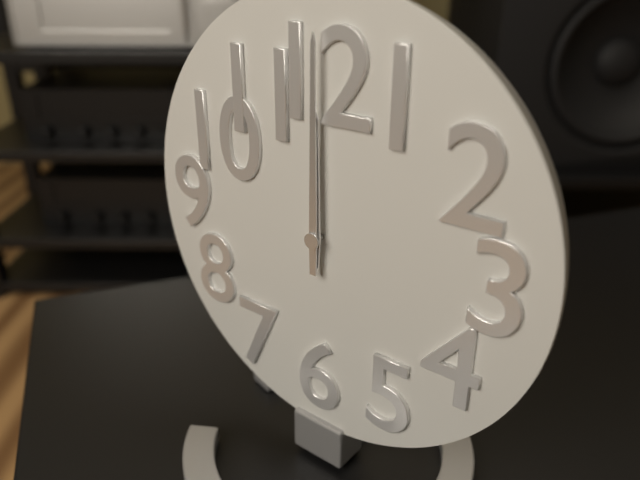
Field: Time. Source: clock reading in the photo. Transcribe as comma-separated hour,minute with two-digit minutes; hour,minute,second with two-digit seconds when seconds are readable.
12,00
